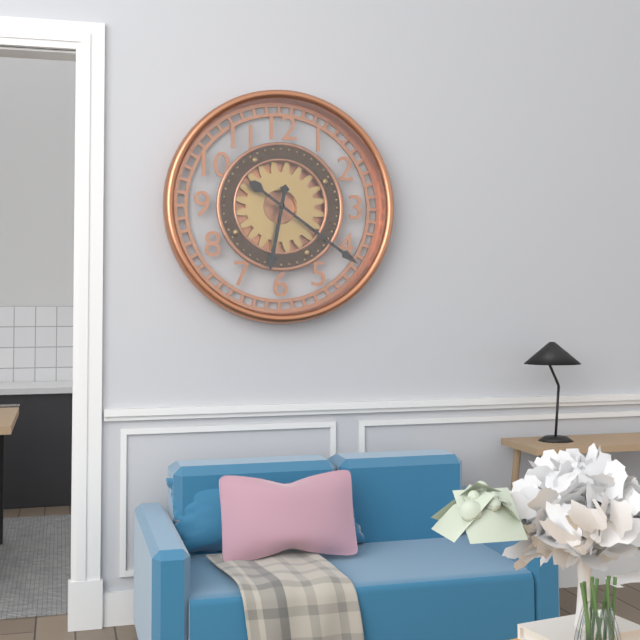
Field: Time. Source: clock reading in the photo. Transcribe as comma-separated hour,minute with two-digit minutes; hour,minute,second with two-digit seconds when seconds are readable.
6,21
